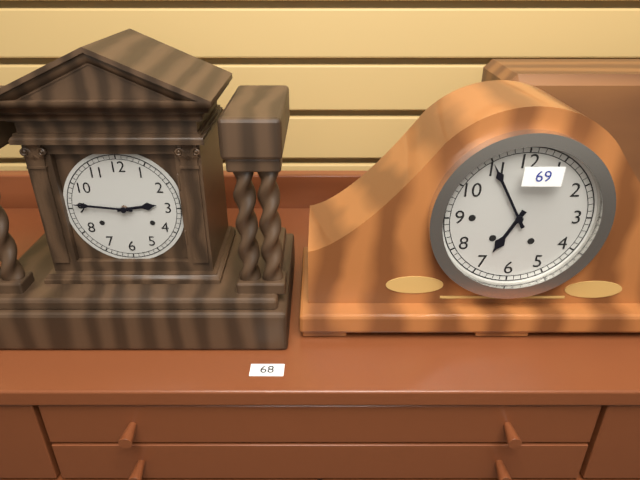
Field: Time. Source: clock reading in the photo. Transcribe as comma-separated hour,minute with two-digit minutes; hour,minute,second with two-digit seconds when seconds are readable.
2,46
